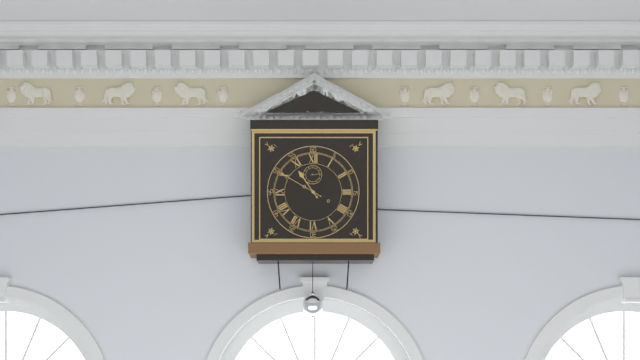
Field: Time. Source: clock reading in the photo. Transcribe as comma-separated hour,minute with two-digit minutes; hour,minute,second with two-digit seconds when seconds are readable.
10,50
